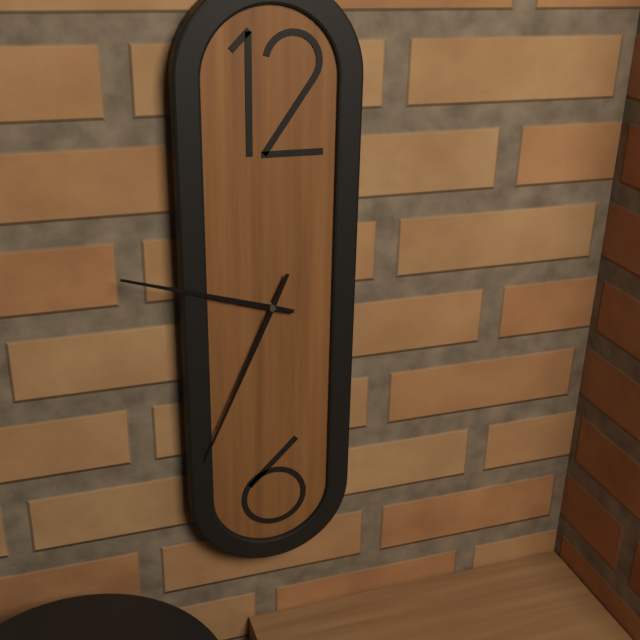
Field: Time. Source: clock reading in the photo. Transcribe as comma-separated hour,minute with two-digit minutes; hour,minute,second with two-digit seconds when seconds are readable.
9,34
